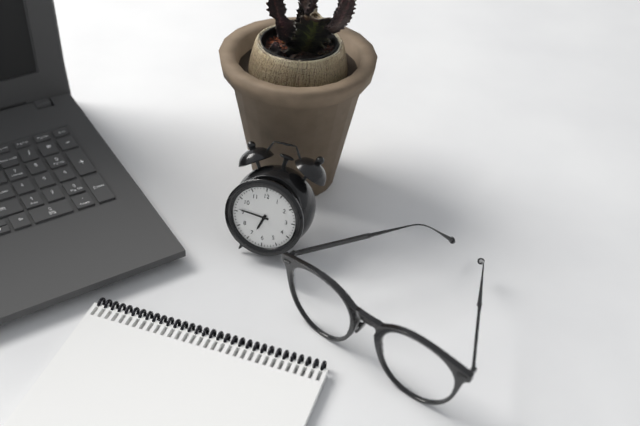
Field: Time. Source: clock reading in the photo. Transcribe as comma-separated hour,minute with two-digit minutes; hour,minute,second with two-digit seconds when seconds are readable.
6,46
